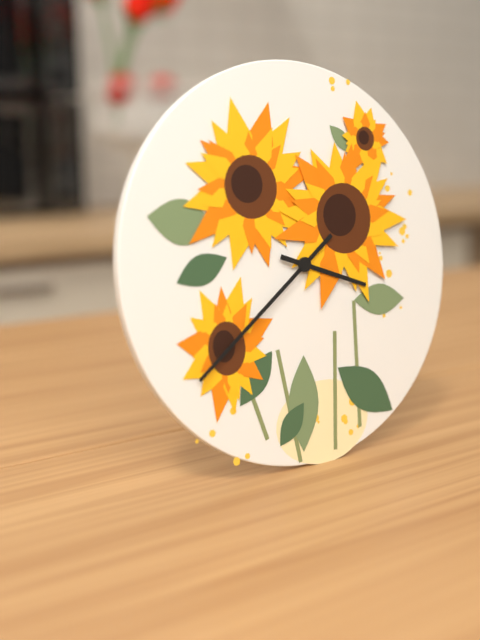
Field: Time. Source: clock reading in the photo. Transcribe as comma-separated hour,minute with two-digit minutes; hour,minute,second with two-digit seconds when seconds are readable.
3,39
